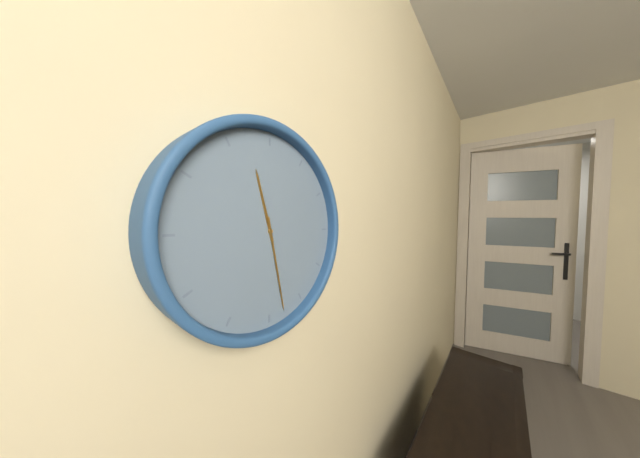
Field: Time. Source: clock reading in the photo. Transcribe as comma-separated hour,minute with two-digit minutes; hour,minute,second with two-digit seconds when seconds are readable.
11,28
